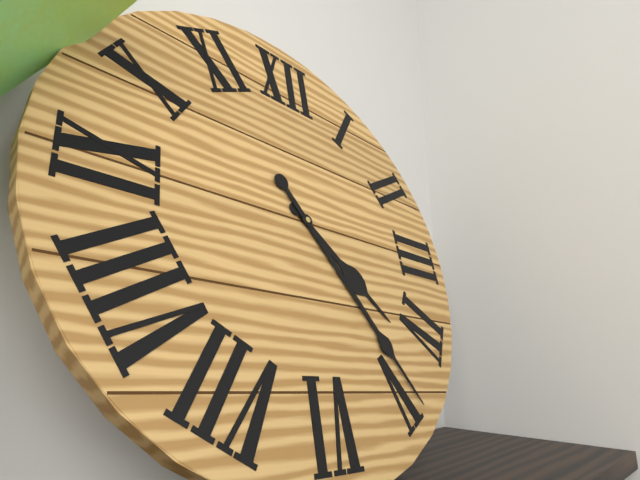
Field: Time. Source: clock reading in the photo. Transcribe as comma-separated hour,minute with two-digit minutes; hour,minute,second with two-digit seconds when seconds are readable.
4,24
